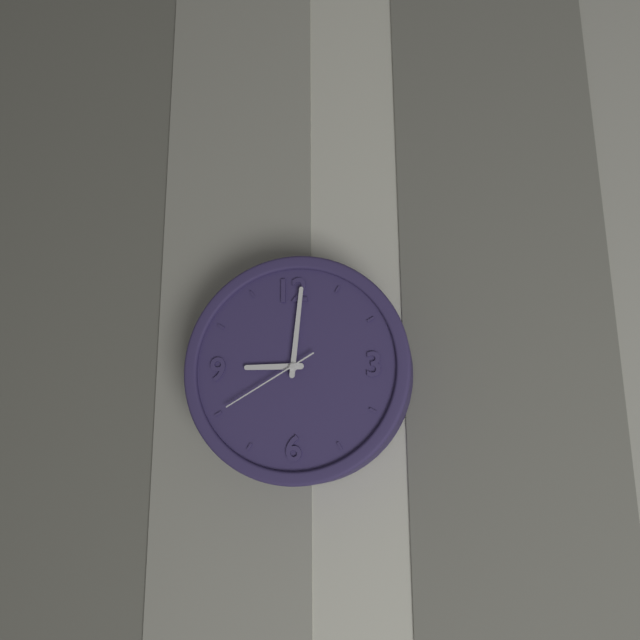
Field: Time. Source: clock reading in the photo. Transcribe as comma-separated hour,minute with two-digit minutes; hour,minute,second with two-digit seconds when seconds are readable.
9,01,40
